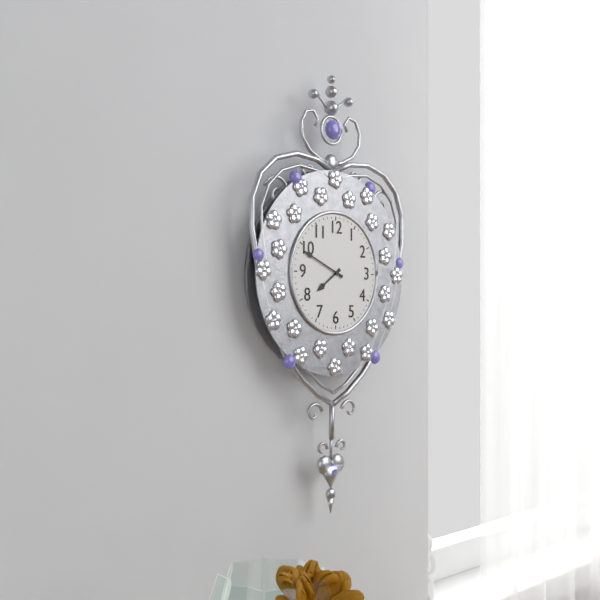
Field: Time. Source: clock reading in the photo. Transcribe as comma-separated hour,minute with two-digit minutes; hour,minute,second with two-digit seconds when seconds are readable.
7,49
